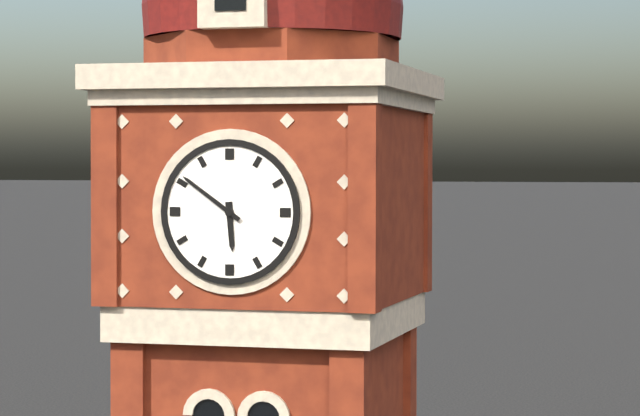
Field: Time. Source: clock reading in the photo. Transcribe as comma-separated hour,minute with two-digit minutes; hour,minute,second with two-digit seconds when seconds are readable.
5,51
